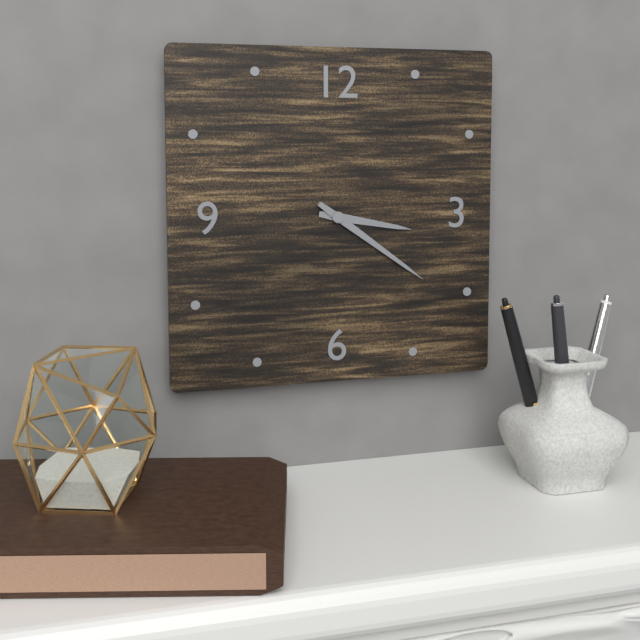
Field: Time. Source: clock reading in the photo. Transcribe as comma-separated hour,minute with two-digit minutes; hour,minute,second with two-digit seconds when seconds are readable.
3,21
